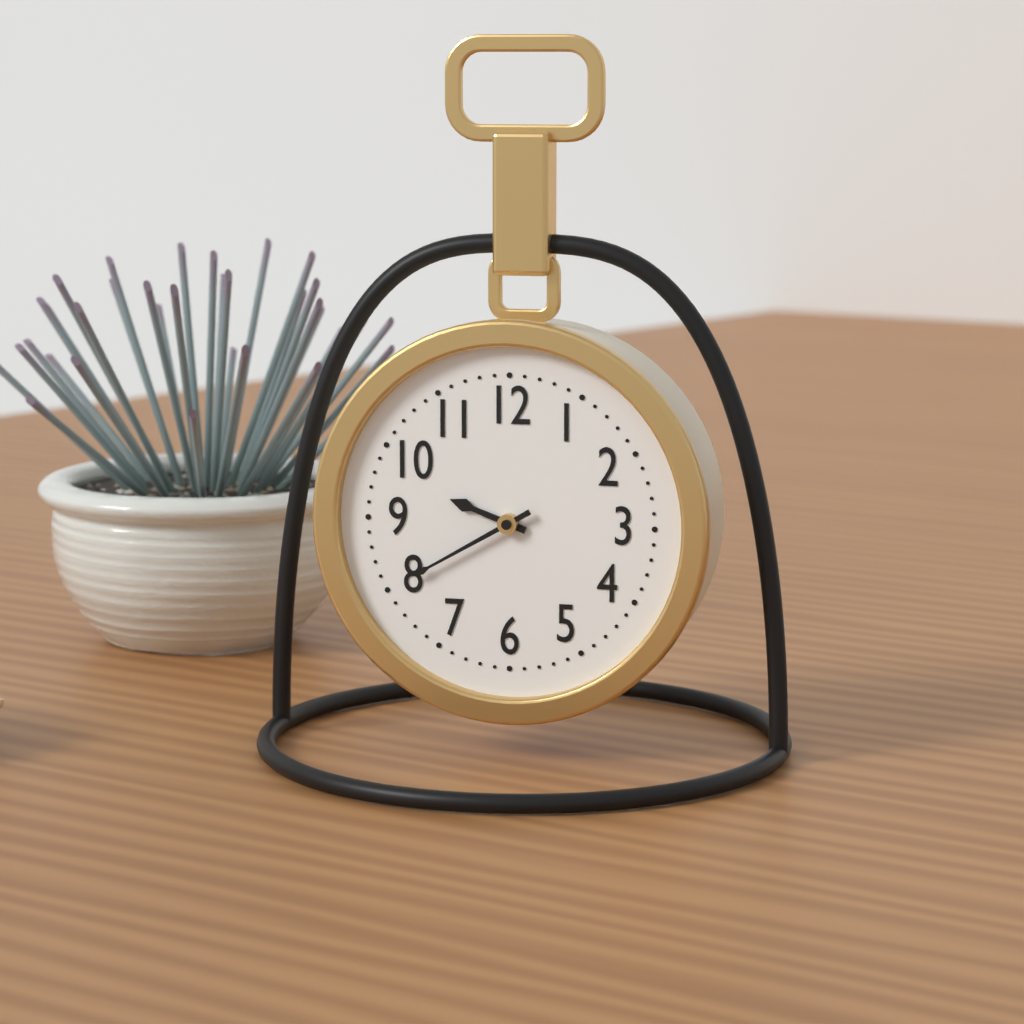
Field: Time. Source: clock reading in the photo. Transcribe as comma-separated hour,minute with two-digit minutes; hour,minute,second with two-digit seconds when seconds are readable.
9,40
